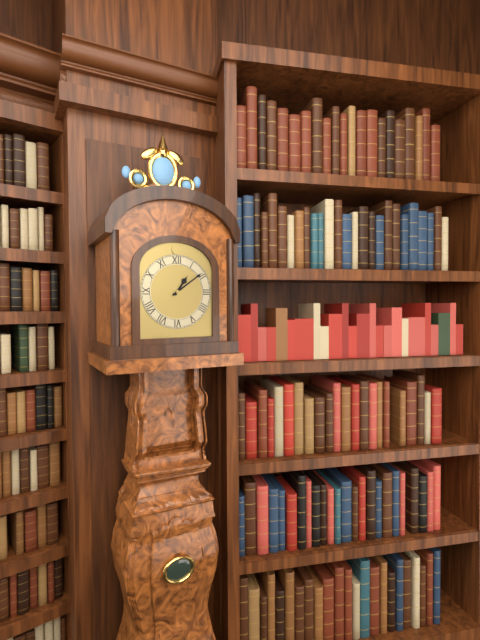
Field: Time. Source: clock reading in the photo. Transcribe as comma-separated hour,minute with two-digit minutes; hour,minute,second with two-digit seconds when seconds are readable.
1,09
